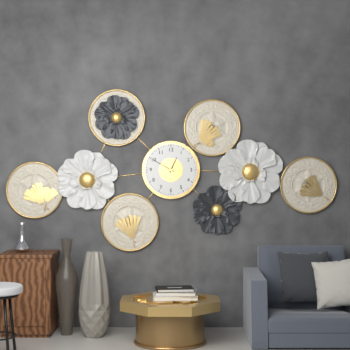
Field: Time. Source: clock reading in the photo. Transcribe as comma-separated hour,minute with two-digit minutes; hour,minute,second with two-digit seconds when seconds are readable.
12,50
